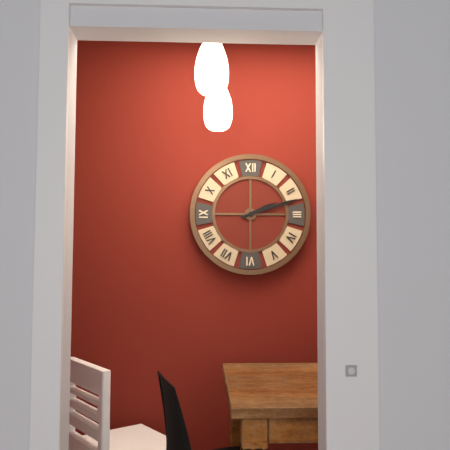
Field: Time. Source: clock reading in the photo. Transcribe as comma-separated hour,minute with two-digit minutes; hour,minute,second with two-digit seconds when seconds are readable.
2,12
